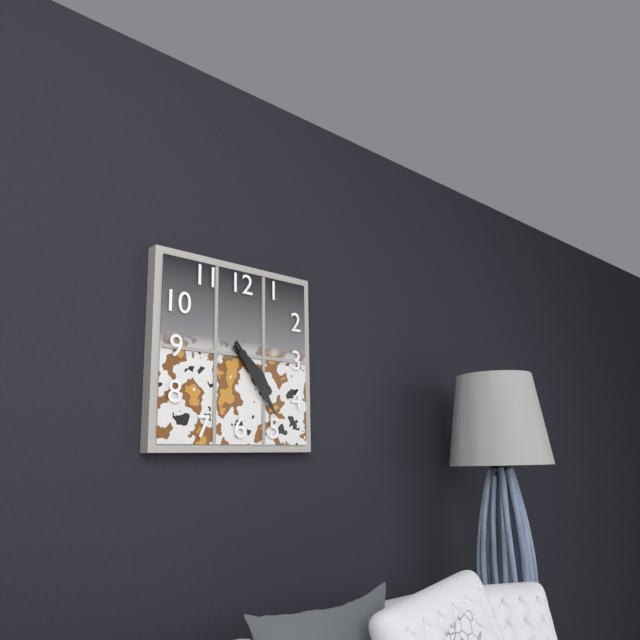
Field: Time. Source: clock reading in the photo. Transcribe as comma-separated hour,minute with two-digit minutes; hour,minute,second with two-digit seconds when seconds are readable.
4,24
